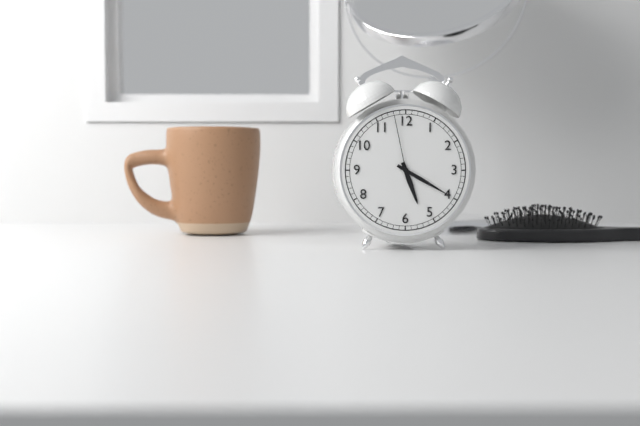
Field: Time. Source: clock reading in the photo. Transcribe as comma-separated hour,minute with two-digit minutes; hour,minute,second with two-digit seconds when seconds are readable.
5,20,58
